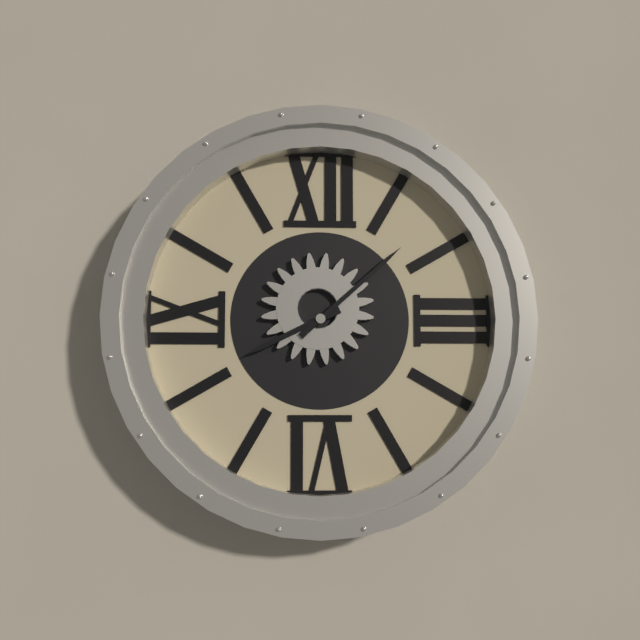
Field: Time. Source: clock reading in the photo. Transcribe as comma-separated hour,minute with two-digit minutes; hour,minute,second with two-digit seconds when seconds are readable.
8,08
